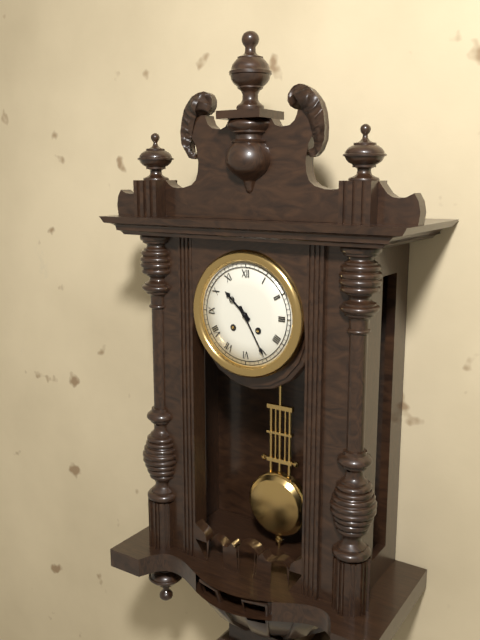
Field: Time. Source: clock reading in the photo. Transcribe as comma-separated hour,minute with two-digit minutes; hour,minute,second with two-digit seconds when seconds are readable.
10,25
